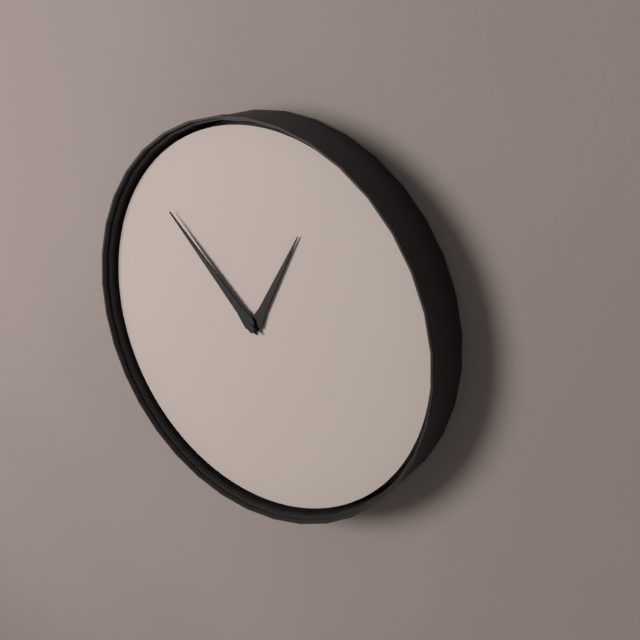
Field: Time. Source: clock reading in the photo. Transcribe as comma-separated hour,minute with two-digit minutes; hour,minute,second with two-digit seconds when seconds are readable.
12,52
